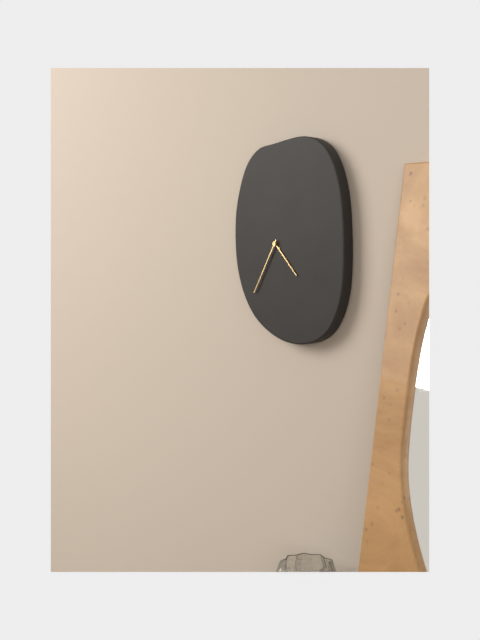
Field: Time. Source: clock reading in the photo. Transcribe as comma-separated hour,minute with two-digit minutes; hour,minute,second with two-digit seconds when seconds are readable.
4,35
